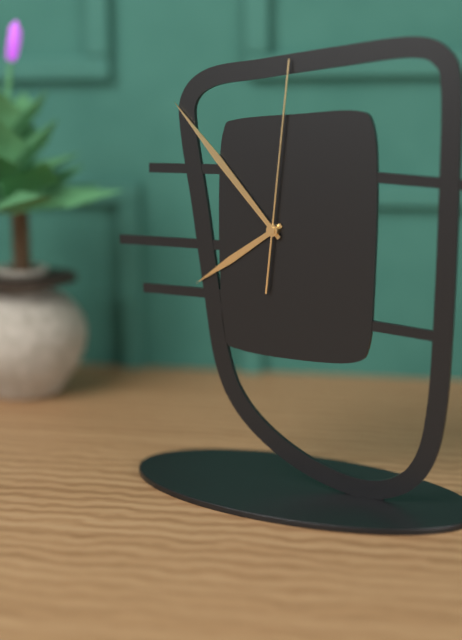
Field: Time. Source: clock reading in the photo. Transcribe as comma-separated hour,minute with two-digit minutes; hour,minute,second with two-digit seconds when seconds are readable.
7,53,01
